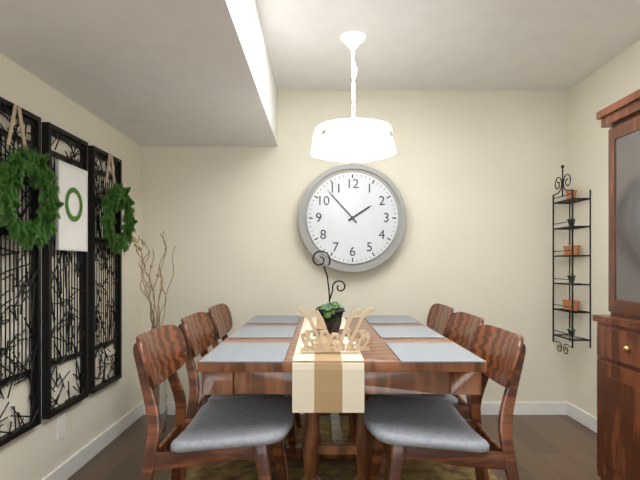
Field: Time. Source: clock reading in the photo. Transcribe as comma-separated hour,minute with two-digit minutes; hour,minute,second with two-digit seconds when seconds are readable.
1,53
